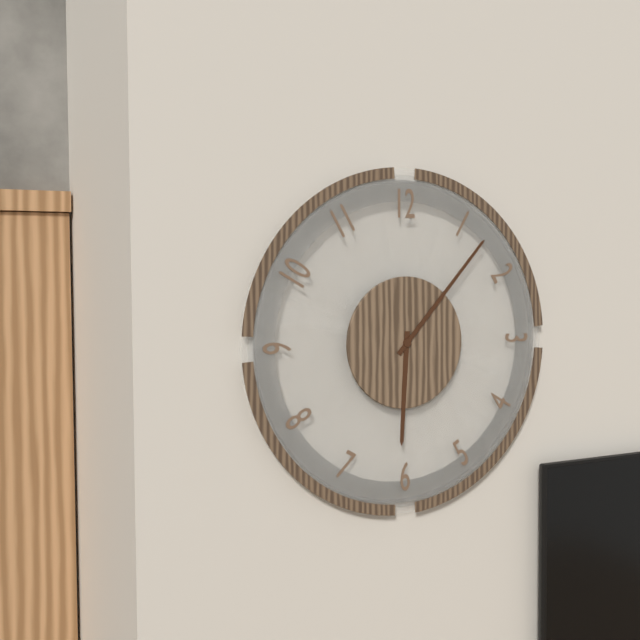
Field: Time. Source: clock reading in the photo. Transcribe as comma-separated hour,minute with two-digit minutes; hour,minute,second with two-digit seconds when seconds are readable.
6,07
